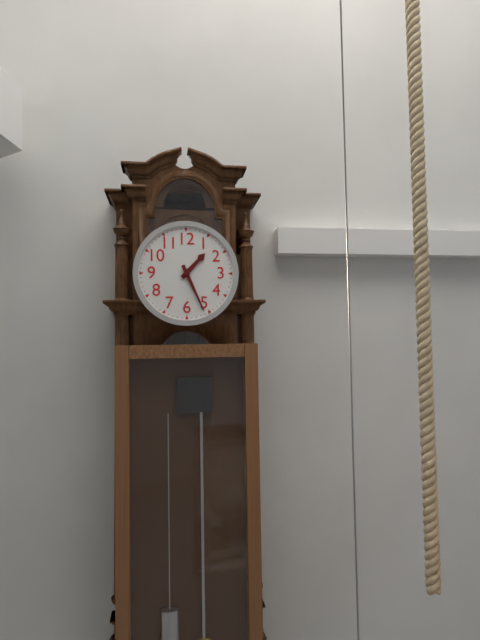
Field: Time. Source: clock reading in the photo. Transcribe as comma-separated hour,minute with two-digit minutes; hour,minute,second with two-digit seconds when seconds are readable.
1,26
